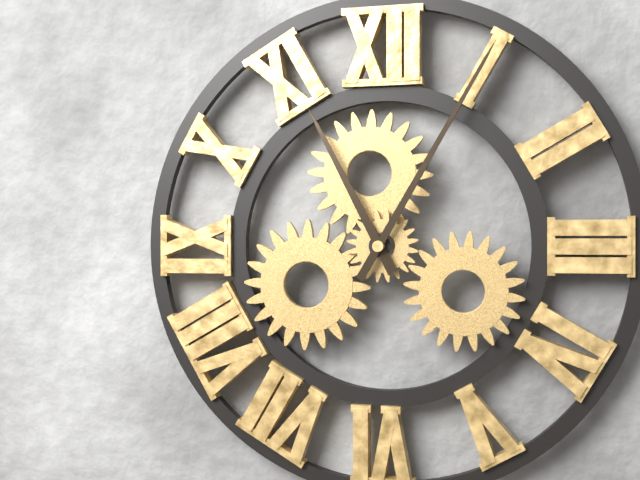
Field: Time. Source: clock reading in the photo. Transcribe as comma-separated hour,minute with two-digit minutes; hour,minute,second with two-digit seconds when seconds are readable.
11,05
